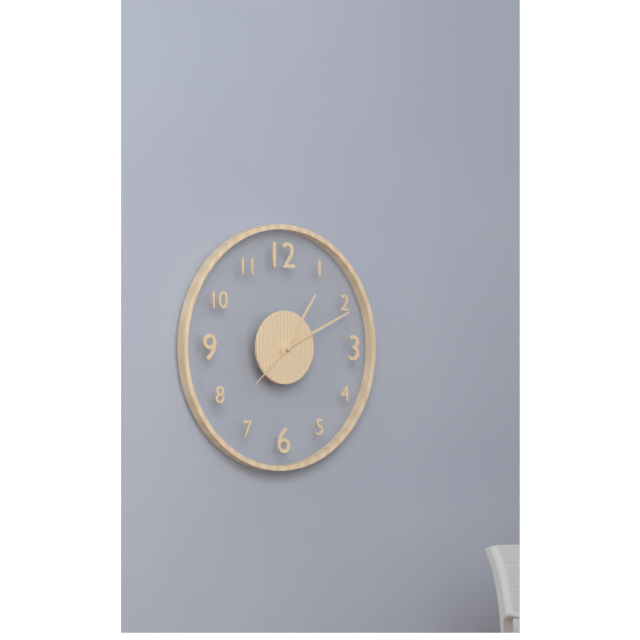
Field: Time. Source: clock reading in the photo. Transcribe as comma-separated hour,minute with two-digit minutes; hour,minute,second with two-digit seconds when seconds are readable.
1,11,38
